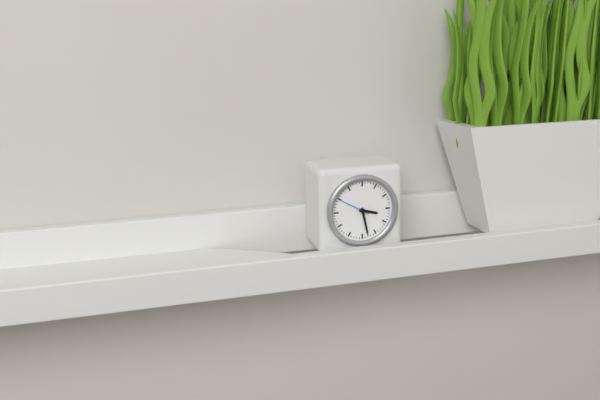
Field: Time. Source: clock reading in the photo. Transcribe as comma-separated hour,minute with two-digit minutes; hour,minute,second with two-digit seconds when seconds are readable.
3,28
